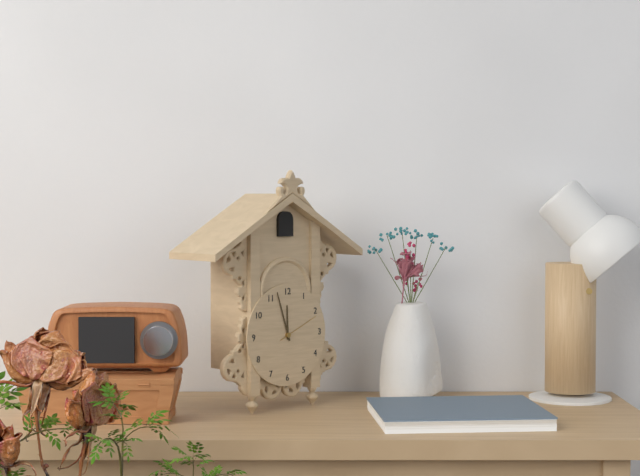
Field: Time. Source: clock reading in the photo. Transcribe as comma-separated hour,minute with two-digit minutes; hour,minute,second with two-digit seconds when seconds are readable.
11,57
